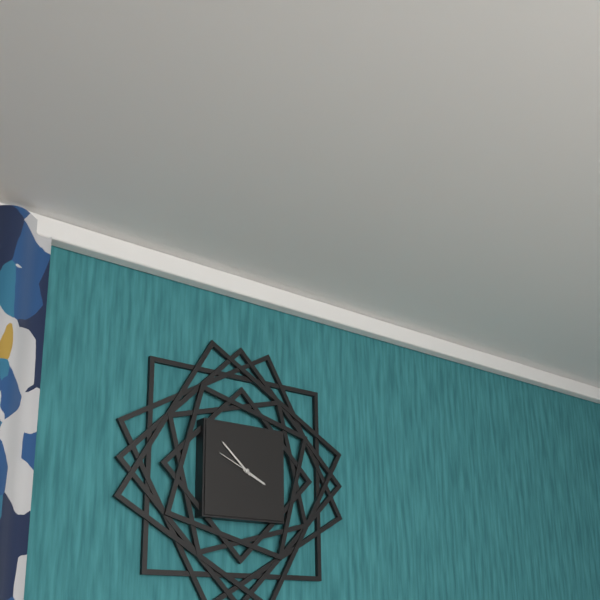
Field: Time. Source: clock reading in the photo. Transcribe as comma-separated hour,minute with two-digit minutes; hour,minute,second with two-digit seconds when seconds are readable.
3,52
